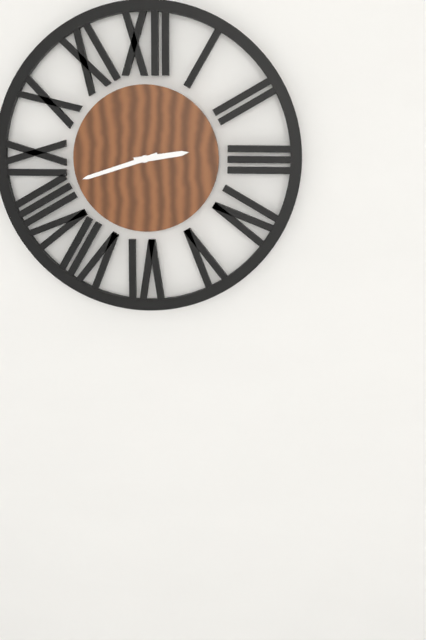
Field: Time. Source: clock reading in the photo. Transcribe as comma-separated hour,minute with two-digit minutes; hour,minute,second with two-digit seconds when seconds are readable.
2,42
